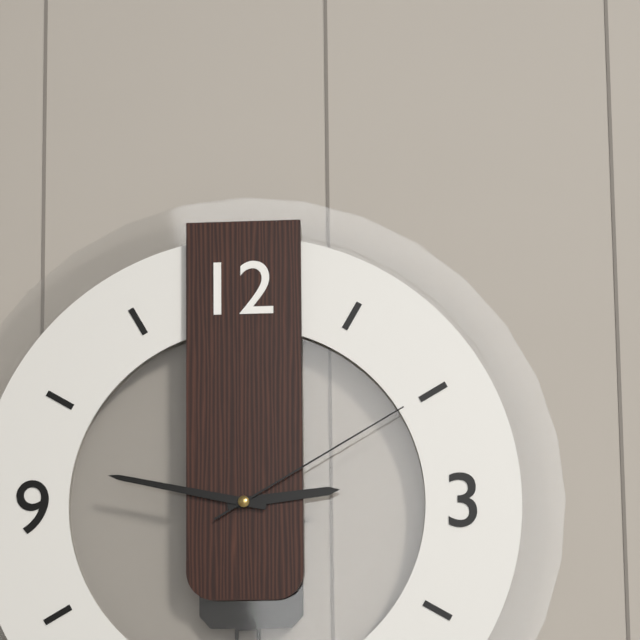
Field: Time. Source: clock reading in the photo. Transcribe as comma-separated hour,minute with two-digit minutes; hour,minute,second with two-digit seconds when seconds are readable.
2,47,10
